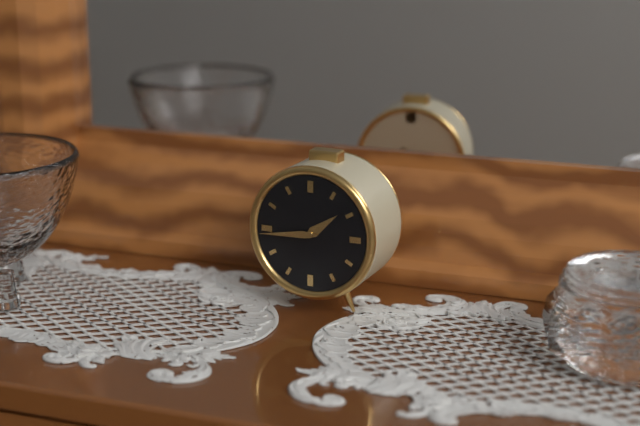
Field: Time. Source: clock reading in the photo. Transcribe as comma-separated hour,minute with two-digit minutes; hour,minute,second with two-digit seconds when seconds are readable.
1,44
